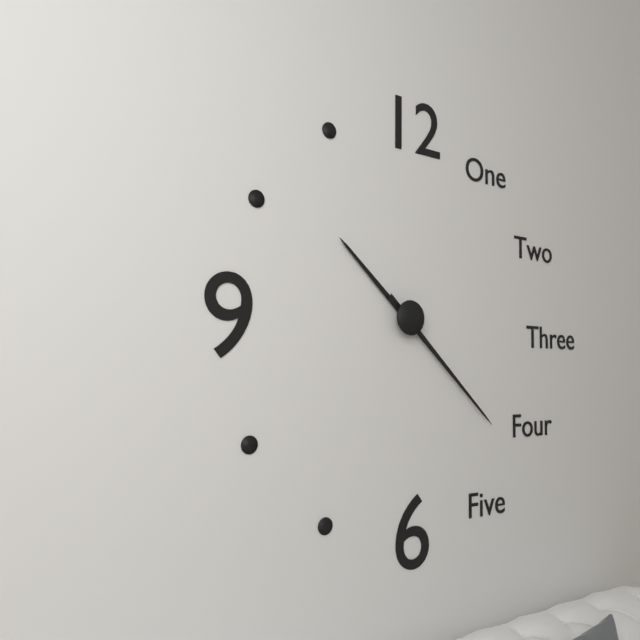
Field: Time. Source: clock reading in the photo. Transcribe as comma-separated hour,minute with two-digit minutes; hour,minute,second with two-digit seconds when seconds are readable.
10,22
